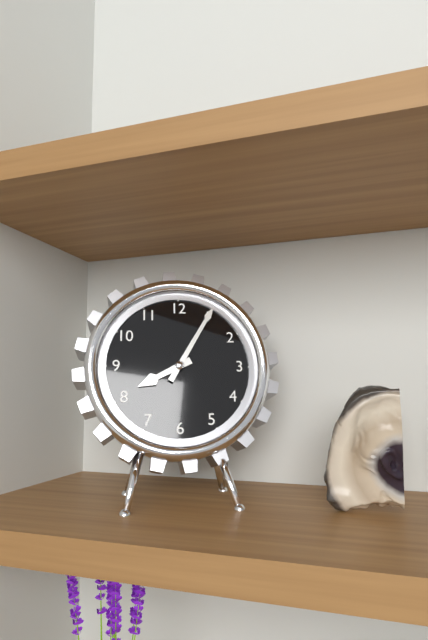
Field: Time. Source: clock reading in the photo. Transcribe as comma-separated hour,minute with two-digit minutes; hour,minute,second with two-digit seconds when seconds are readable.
8,05
